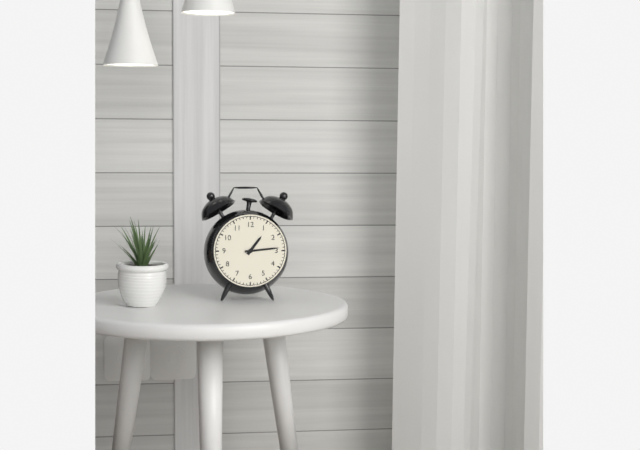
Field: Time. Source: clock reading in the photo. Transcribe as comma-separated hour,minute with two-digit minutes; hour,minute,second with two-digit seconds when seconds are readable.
1,14
